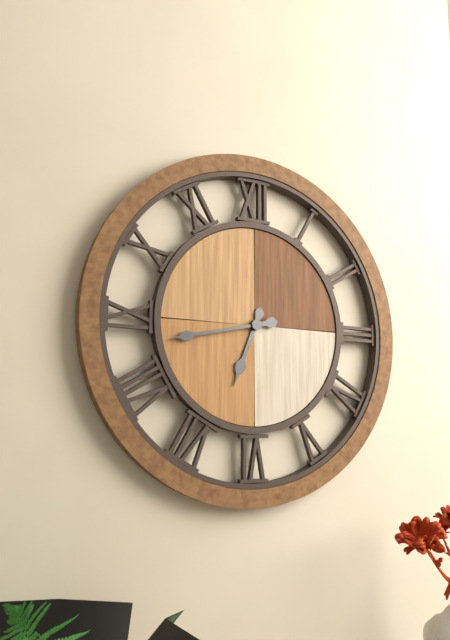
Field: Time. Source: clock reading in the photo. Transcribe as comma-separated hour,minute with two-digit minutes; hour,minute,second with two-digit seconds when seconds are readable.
6,43
